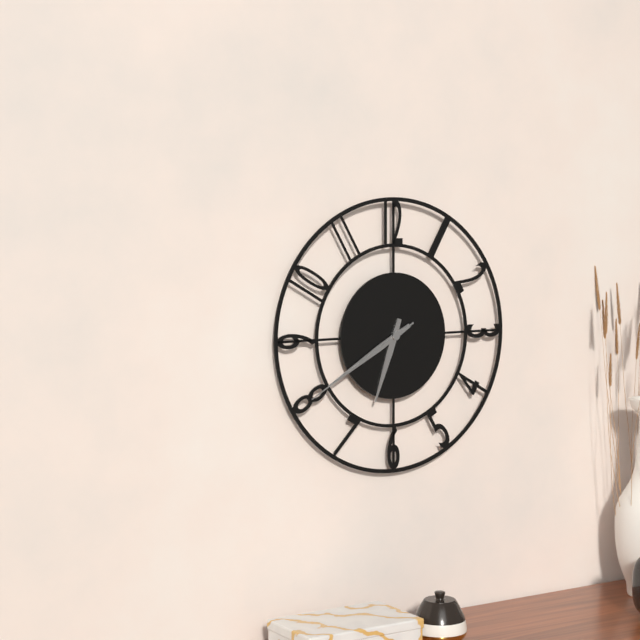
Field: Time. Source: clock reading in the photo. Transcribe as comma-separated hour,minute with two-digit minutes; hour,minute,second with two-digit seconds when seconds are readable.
6,40,40
